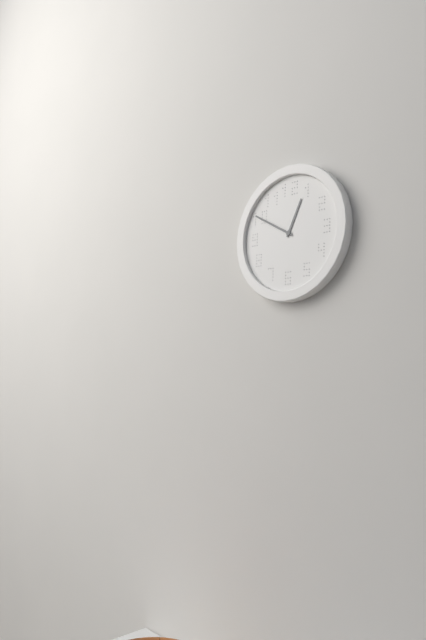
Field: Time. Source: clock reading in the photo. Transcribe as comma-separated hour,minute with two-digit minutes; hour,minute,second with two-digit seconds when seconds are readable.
12,50
